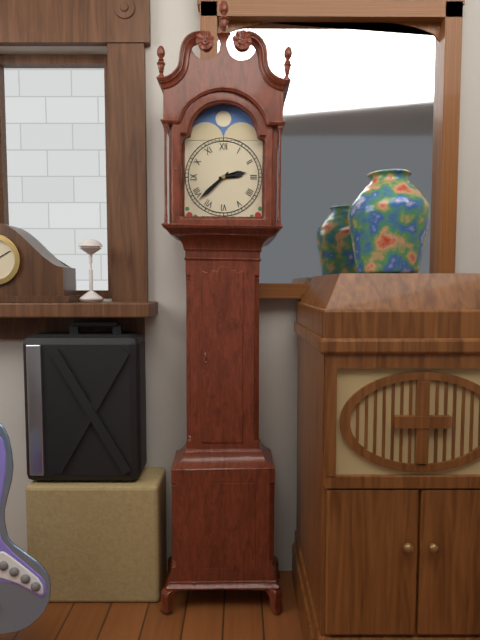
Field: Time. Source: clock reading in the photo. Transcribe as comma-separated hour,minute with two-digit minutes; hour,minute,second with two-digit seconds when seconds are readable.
2,38
